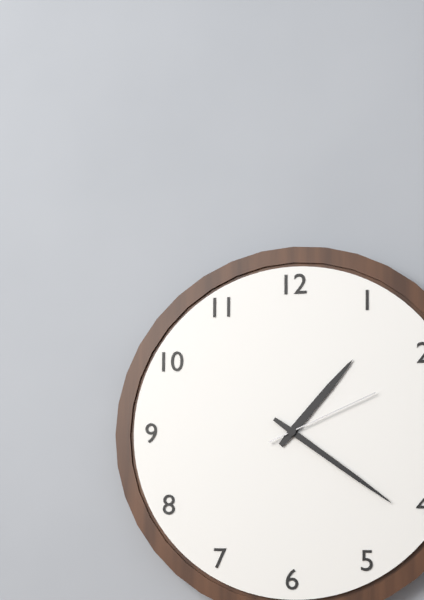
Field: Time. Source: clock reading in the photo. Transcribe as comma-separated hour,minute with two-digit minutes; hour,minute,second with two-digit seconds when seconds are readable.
1,21,11
